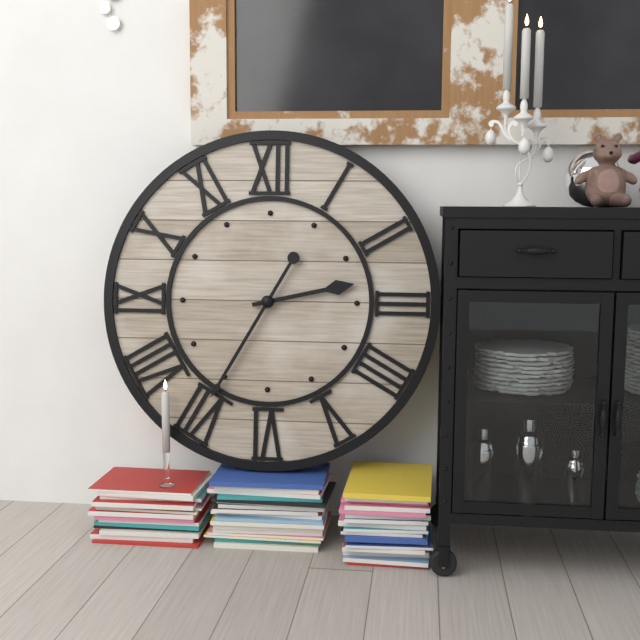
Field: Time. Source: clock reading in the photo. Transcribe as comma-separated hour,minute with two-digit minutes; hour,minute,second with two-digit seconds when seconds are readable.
2,35
